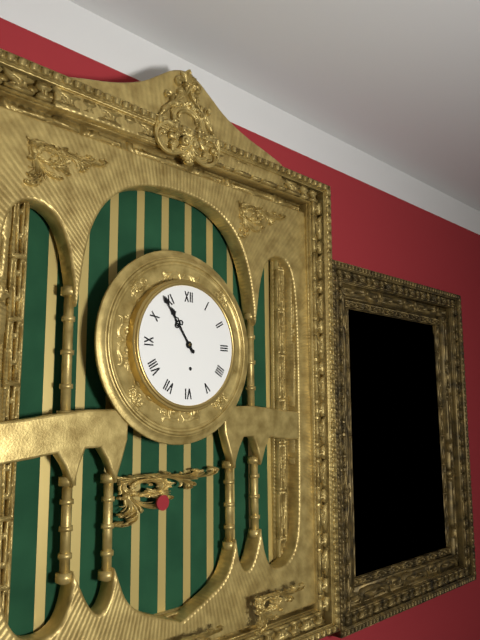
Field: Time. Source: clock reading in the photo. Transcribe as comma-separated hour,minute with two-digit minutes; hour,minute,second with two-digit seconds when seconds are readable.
10,54
